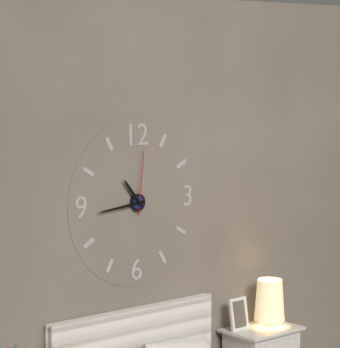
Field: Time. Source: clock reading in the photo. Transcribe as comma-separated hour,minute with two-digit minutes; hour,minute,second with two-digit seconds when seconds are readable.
10,44,01
